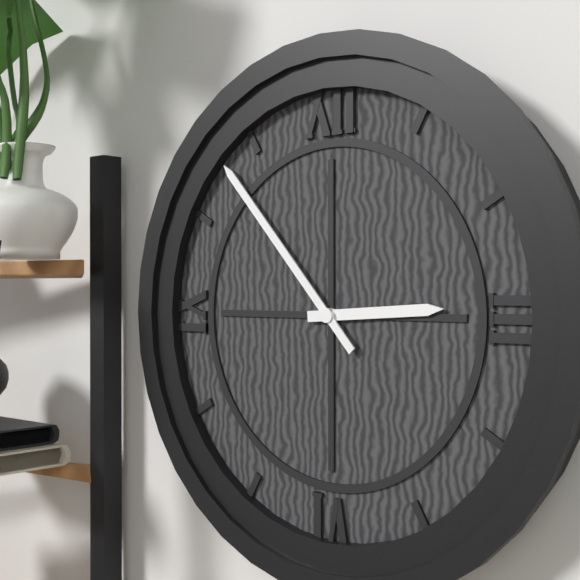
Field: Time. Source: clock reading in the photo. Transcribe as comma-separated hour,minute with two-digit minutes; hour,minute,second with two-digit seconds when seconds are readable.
2,53
